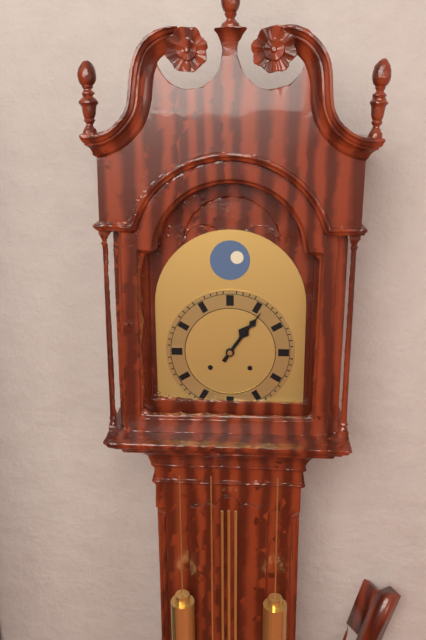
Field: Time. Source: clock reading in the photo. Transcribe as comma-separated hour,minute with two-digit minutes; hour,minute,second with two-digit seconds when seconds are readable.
1,06
